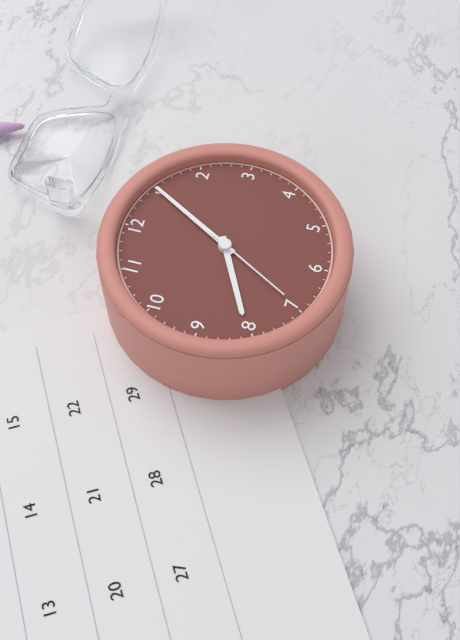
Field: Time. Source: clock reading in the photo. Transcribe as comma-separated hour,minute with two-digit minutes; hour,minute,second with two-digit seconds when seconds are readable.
8,05,35
